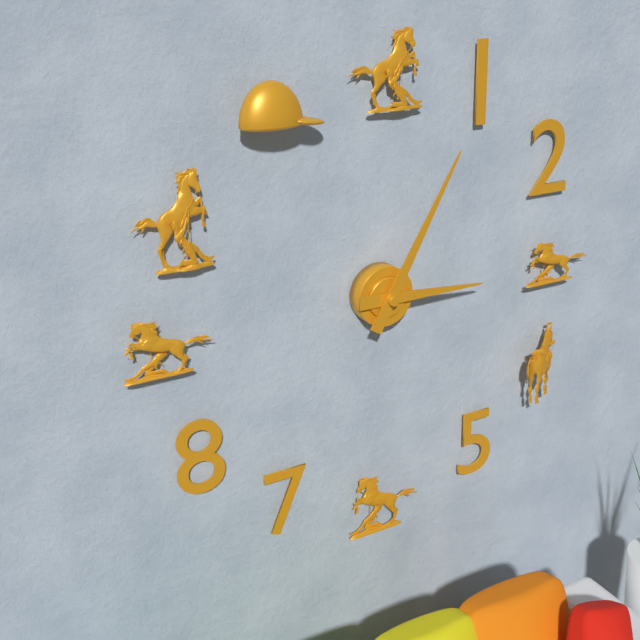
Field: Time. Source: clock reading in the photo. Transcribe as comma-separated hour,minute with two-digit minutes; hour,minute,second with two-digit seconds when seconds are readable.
3,05
